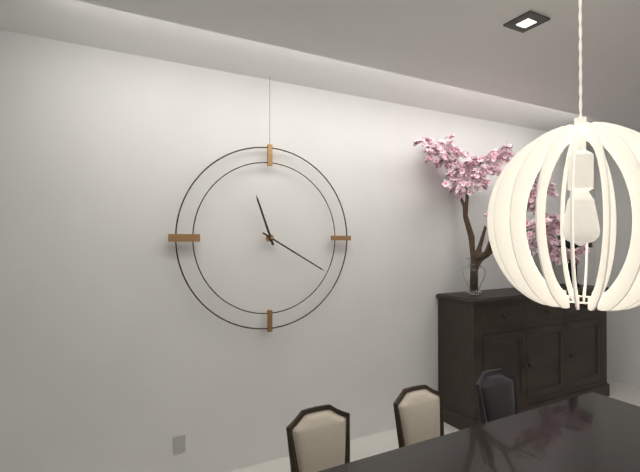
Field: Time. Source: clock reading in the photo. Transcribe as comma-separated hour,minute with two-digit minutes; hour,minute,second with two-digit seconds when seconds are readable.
11,20
